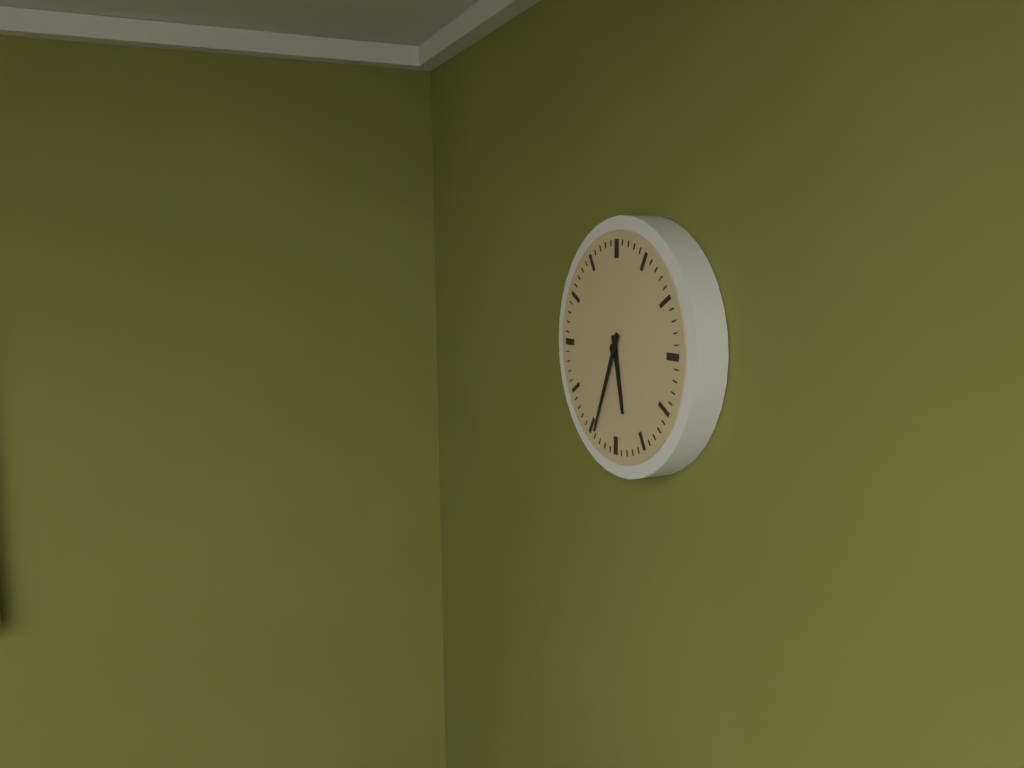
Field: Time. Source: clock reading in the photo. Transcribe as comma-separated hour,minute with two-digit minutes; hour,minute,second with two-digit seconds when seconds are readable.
5,34
